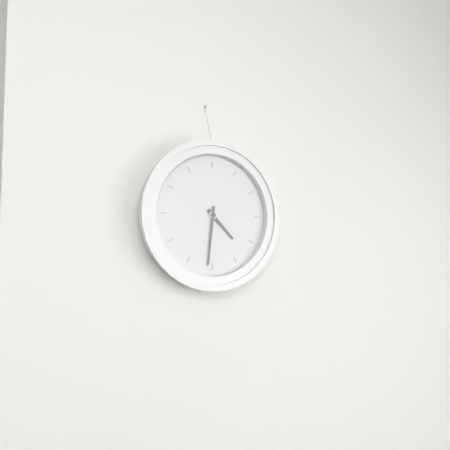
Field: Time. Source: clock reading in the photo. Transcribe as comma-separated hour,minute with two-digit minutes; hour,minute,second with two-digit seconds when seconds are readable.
4,31
